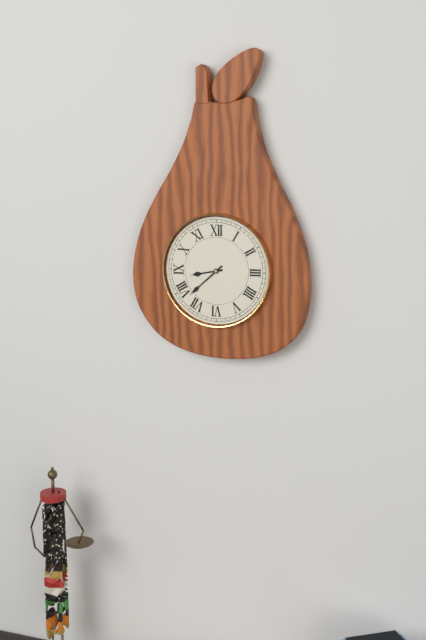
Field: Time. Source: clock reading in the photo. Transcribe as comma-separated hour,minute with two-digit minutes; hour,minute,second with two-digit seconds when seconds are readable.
8,38
